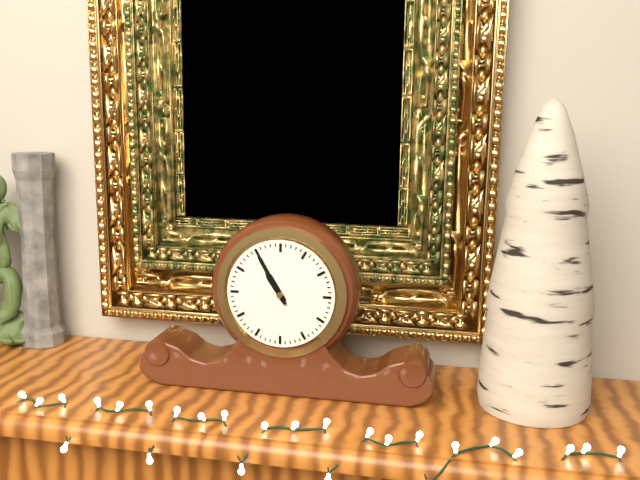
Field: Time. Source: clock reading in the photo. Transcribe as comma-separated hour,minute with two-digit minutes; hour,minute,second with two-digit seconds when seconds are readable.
10,55
